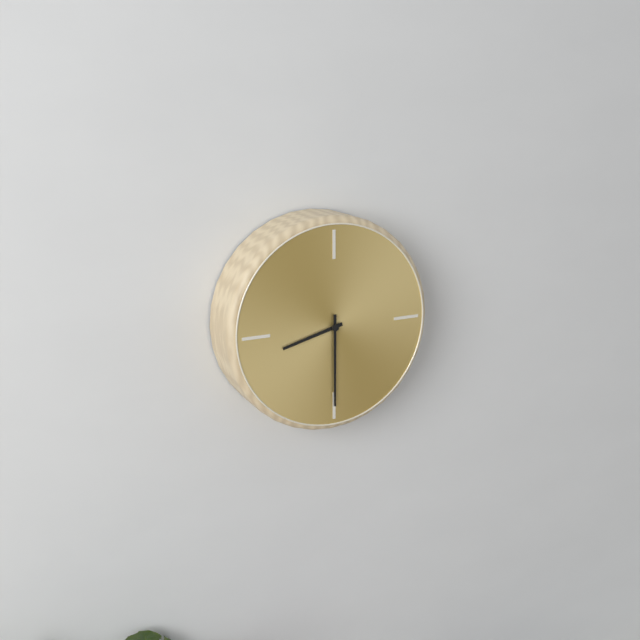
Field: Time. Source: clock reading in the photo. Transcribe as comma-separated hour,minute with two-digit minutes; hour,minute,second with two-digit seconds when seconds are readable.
8,30
